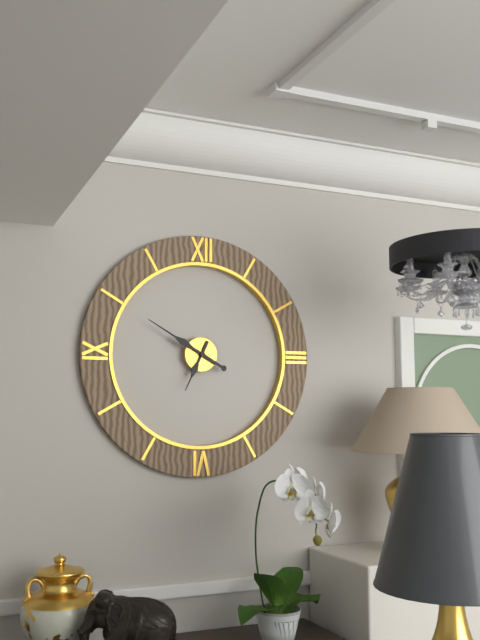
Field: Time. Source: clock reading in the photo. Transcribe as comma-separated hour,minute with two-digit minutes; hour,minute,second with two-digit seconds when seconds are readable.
6,50
